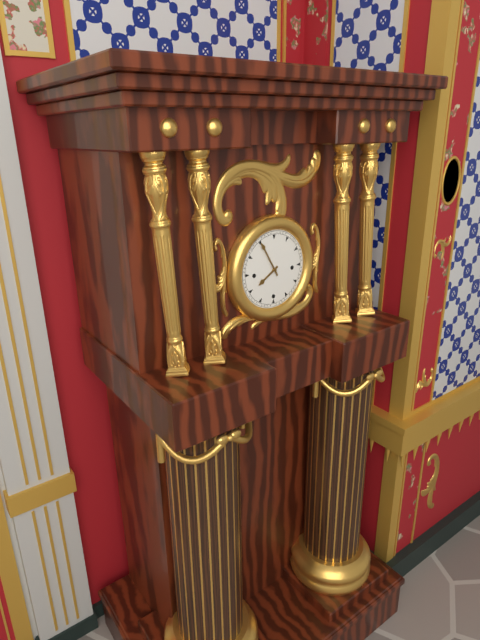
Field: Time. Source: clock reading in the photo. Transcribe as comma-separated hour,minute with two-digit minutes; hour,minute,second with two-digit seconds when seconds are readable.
7,55
